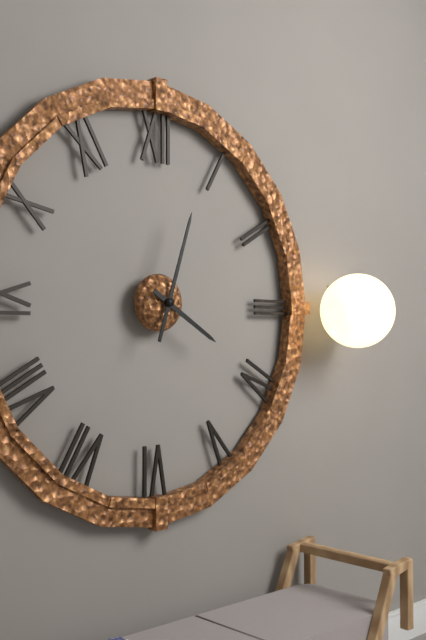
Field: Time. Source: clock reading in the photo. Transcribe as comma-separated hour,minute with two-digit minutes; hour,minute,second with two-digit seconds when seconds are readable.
4,03
